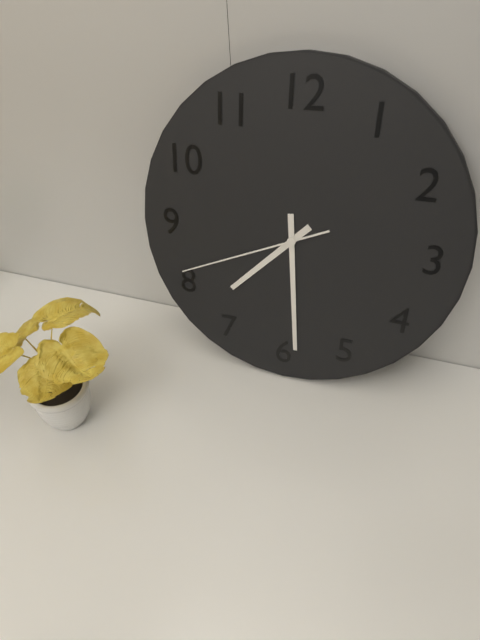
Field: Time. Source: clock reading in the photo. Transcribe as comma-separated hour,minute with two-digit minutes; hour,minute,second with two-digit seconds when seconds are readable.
7,29,41
